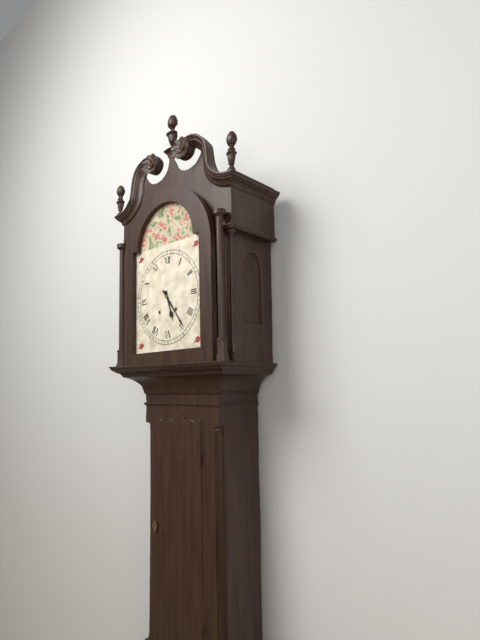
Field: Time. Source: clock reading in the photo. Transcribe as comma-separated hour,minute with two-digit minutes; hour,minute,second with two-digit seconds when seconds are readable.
5,24
